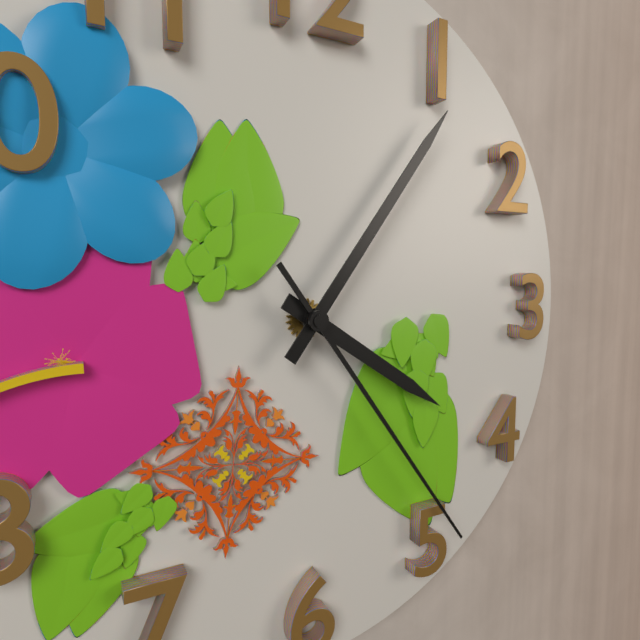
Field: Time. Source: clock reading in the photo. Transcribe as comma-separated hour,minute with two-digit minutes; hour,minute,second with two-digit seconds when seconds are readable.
4,06,24
